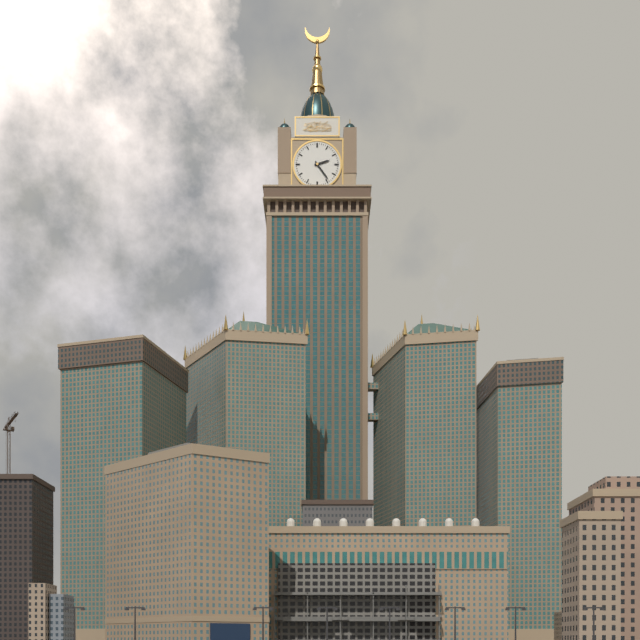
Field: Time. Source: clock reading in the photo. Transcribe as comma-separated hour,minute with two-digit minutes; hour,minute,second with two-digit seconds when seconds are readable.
2,24
